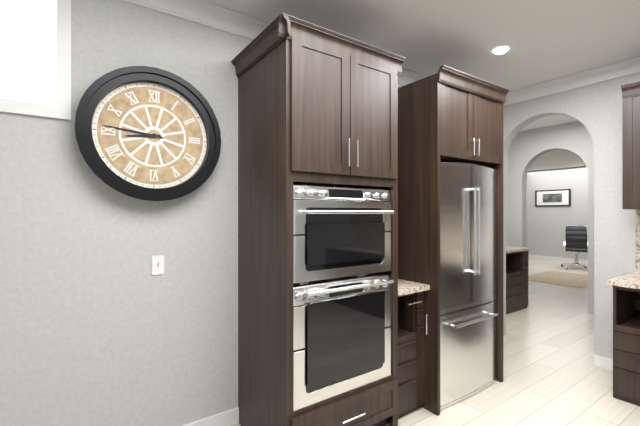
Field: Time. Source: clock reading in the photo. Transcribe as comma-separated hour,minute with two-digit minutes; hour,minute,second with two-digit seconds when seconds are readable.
8,46
